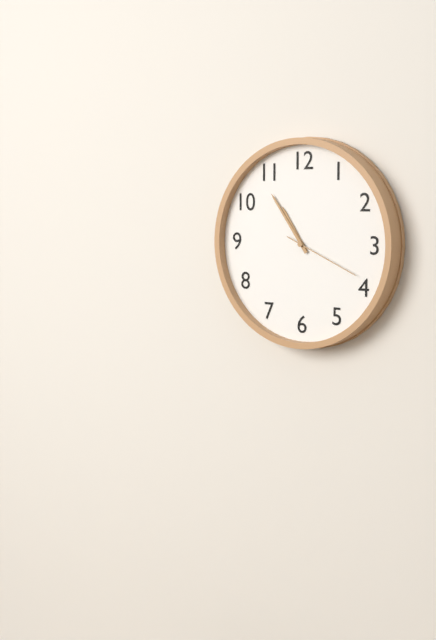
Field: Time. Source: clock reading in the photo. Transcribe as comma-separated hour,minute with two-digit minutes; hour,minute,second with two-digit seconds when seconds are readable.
10,54,19
